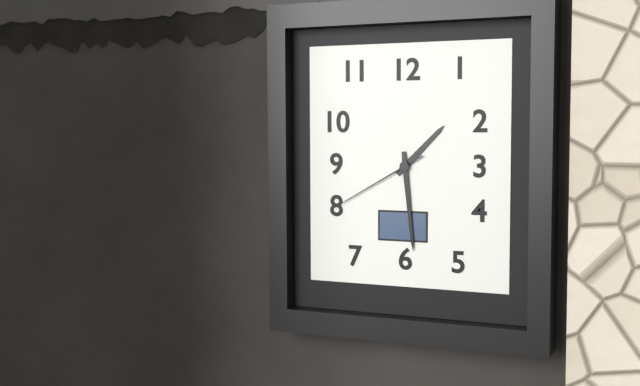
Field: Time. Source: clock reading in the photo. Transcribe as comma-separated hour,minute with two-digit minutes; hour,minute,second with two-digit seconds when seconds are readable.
1,29,40
